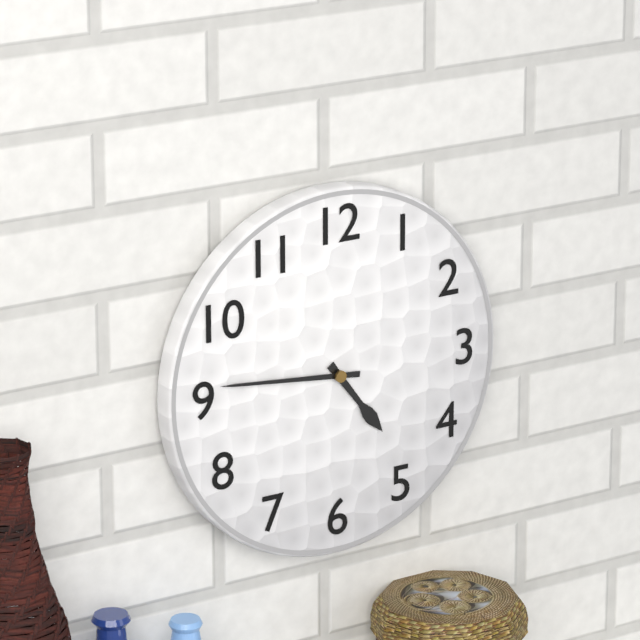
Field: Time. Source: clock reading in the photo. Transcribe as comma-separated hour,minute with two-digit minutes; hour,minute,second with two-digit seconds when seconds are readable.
4,46
